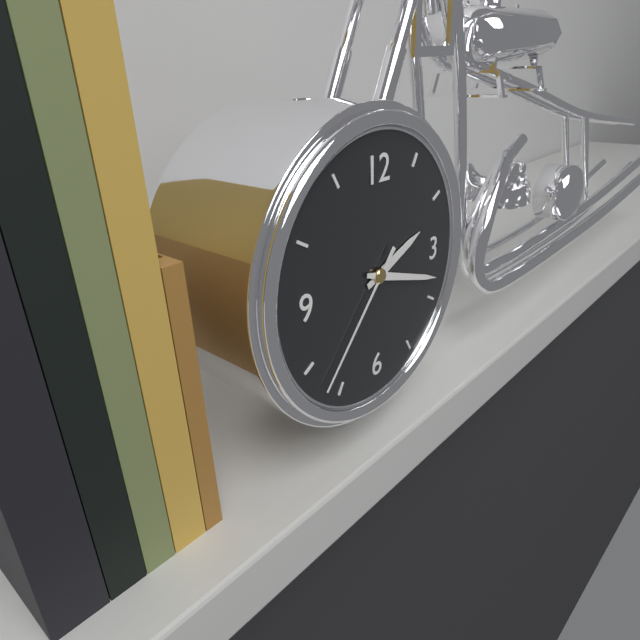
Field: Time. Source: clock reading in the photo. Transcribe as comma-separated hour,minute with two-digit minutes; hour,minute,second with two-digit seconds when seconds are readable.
2,18,37
